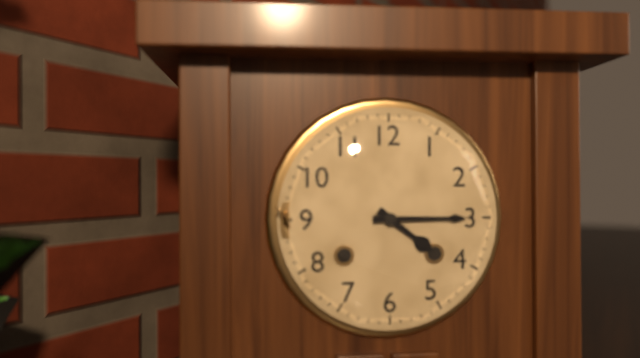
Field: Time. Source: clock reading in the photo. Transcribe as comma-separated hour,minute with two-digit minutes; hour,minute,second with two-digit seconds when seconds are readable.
4,15
